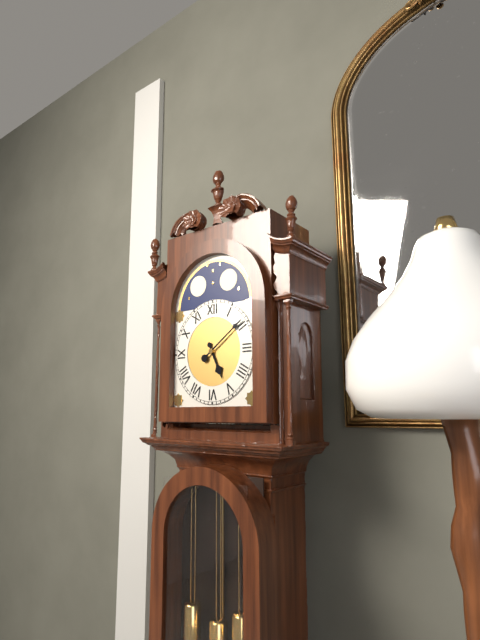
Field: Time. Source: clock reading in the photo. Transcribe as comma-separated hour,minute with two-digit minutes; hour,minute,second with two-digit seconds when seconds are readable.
5,09
